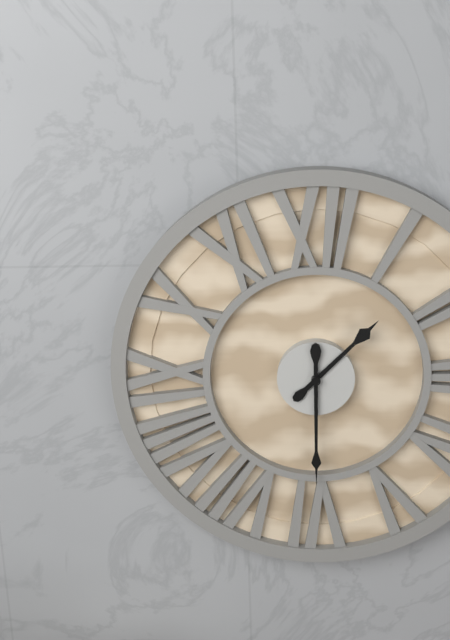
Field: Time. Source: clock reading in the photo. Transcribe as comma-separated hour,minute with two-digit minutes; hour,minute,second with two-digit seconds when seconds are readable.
1,30
